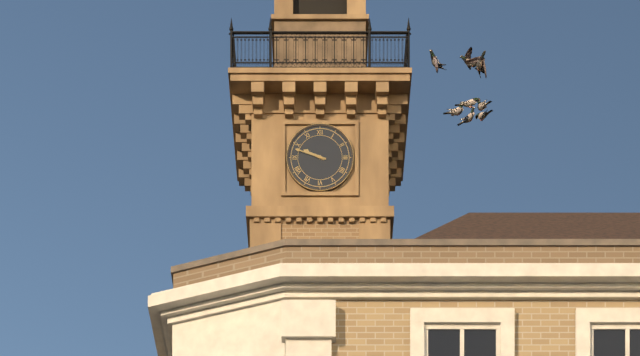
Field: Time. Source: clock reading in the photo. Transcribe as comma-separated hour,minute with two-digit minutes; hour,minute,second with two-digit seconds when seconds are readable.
9,48
